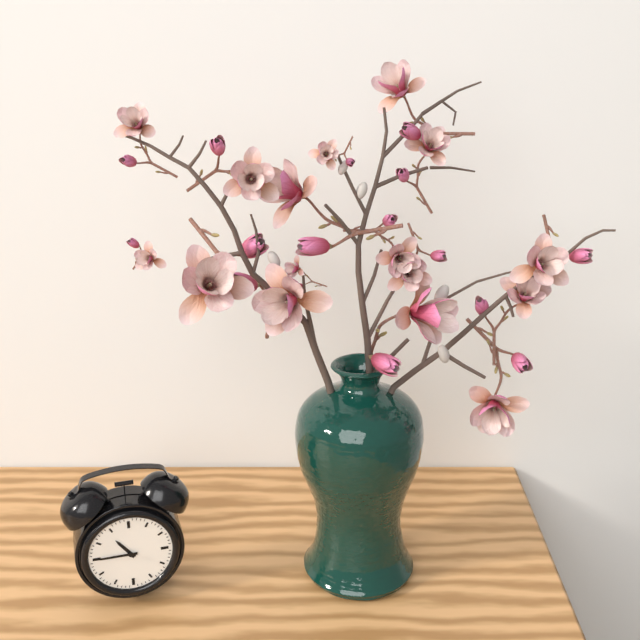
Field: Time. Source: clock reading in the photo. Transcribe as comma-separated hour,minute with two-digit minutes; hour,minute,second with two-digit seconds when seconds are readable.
10,45
